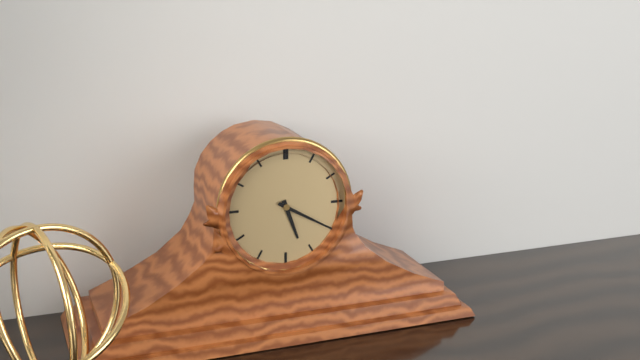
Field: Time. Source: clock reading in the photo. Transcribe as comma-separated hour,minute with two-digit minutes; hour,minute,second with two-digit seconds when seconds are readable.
5,20
